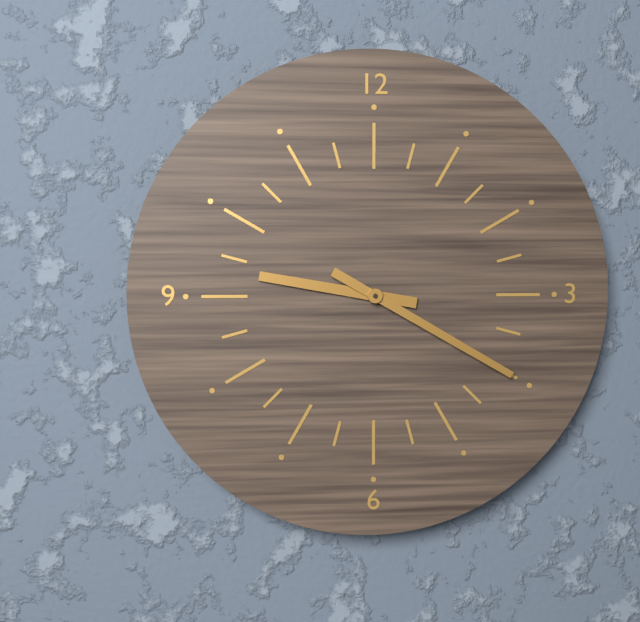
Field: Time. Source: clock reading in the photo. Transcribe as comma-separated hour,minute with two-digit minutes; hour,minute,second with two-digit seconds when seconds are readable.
9,20
